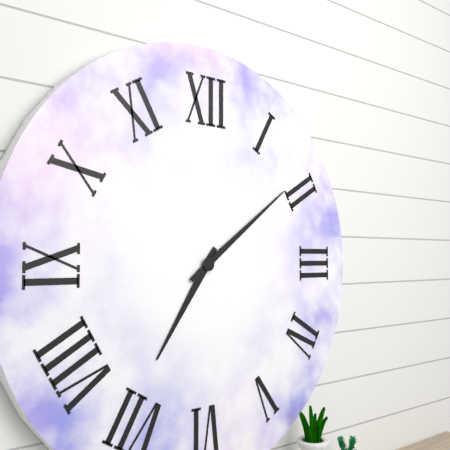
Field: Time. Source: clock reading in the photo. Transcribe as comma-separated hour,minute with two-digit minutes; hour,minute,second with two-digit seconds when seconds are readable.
7,09
